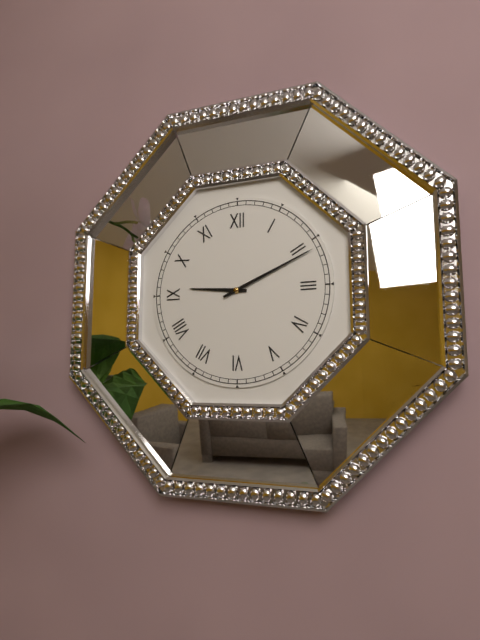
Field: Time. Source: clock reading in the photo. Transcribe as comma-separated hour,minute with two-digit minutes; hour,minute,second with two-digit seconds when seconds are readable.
9,11
